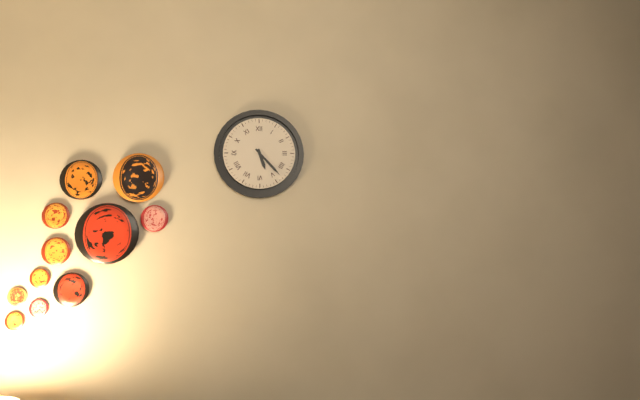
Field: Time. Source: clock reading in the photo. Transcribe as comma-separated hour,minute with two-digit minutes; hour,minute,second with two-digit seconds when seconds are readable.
5,23
